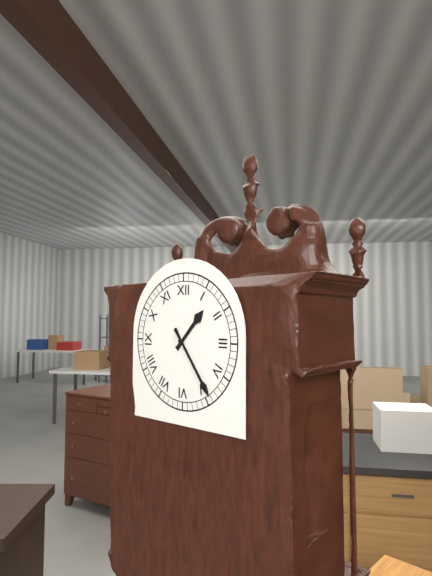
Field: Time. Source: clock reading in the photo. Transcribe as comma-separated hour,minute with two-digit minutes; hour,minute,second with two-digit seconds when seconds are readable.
1,24
